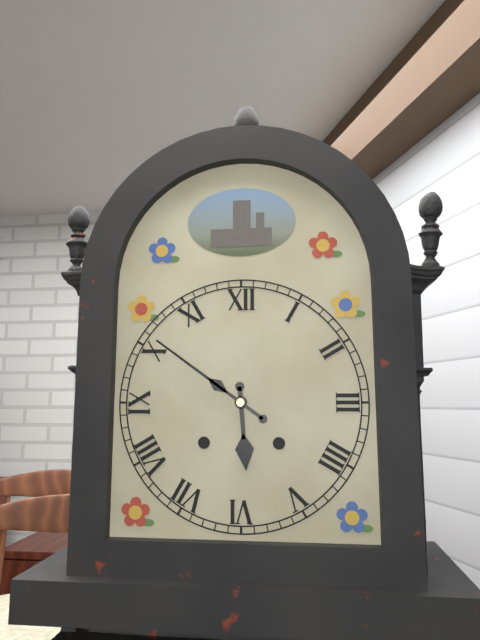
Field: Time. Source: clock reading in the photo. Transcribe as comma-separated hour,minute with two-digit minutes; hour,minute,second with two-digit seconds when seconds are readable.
5,51
